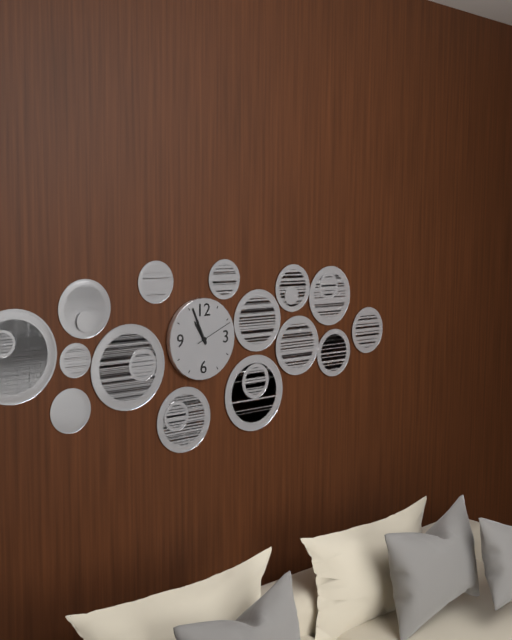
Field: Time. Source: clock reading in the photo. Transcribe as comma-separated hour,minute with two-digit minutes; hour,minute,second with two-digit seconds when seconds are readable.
10,56
